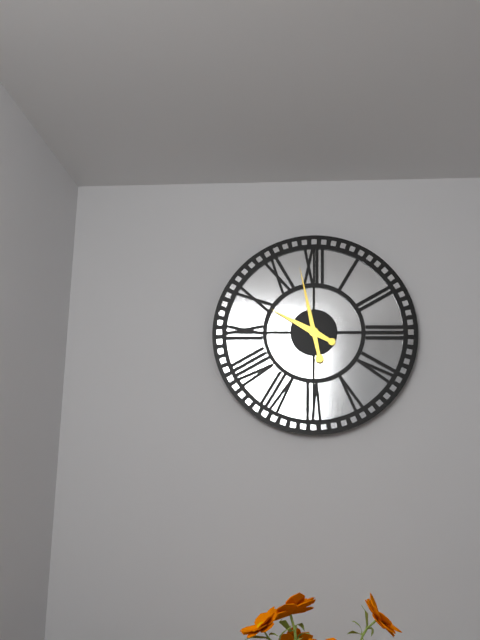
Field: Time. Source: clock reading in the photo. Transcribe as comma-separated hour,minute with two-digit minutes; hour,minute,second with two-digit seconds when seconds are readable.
9,58
